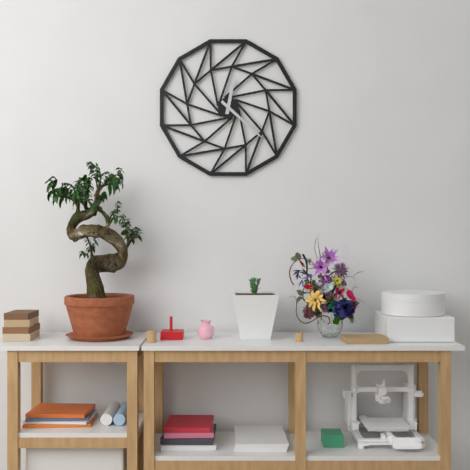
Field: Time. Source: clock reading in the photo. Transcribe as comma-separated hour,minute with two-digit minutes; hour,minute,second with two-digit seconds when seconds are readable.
12,22
